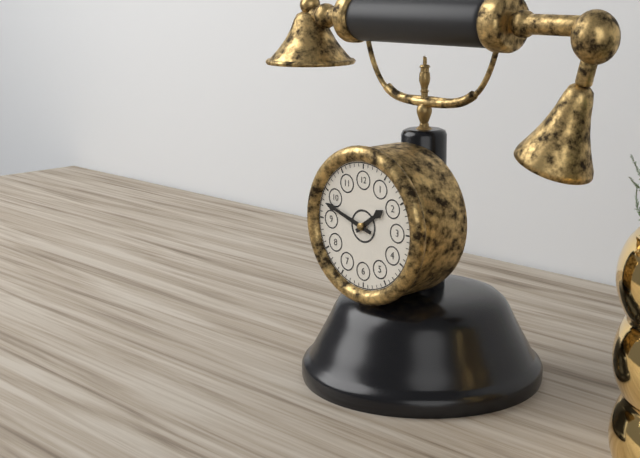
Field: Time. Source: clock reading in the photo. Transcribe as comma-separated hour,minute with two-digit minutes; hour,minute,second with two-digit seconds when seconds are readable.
1,48
